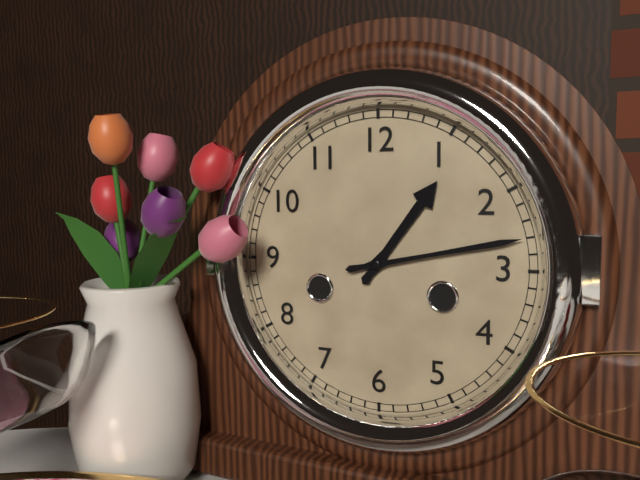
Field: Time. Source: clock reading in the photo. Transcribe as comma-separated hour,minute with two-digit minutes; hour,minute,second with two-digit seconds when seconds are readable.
1,13
